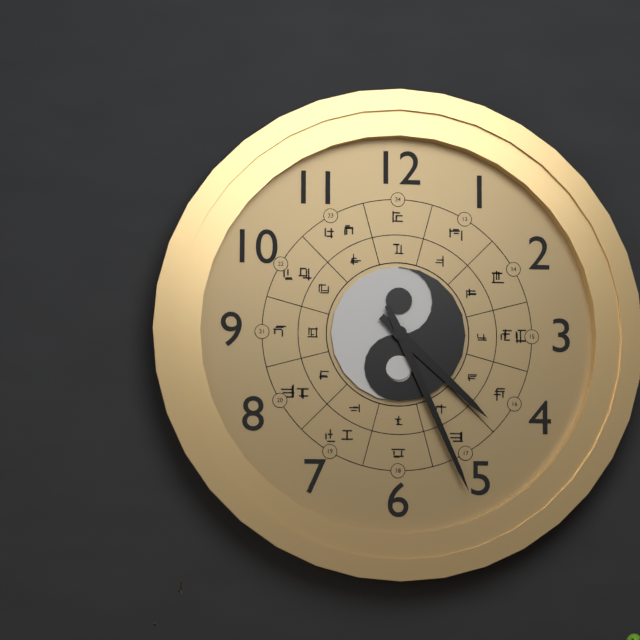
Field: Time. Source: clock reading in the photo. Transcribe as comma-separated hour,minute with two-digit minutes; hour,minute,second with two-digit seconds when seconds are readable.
4,26
